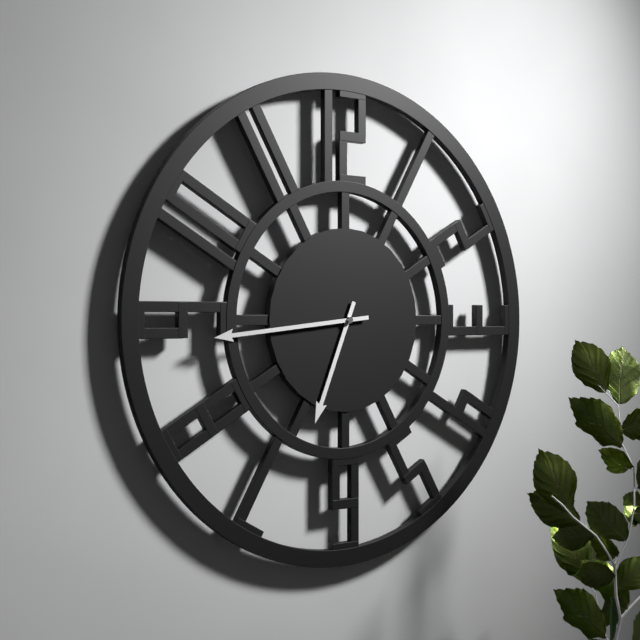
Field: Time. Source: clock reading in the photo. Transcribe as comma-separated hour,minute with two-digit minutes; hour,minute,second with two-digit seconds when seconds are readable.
6,44
